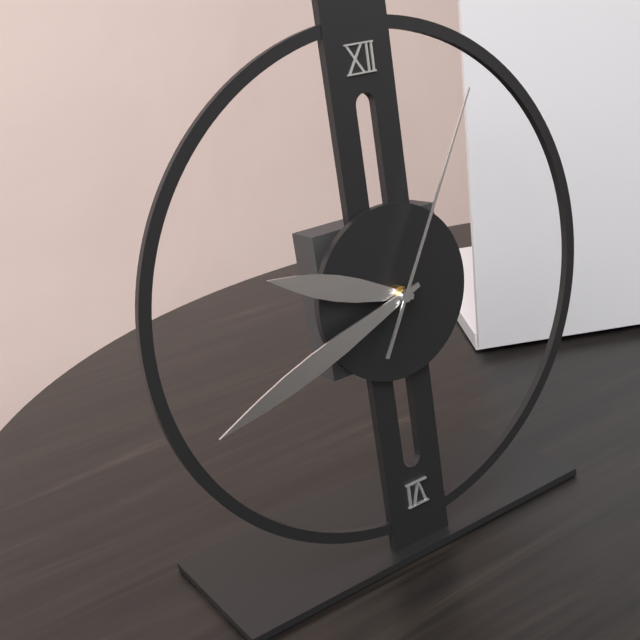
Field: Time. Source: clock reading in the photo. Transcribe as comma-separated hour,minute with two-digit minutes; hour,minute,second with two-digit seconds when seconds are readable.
9,42,05
